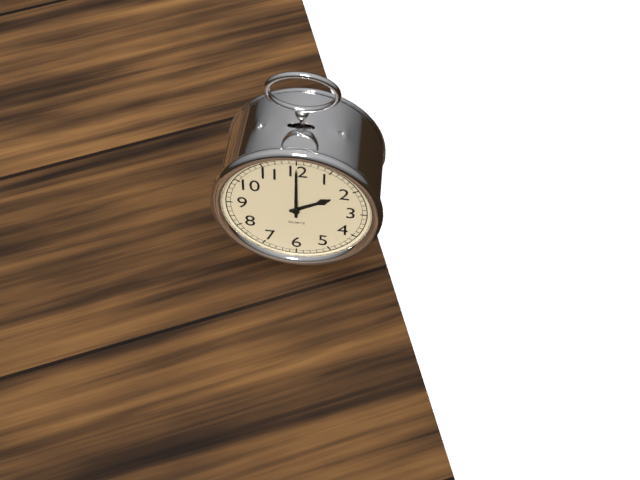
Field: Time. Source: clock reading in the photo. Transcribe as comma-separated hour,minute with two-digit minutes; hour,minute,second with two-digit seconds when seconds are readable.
2,00
